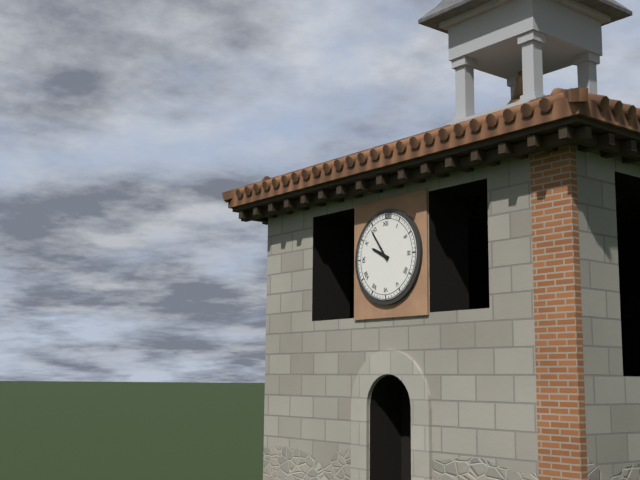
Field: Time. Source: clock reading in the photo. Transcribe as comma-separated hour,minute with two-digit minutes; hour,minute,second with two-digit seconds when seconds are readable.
9,54
